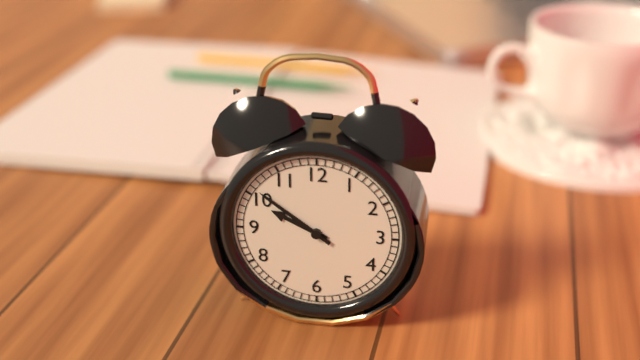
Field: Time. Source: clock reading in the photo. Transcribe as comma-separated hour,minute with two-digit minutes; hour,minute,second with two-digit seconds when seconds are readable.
9,51
